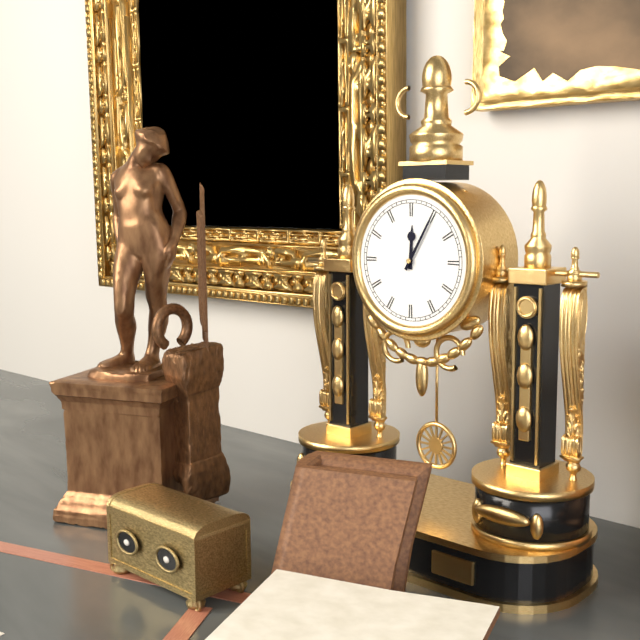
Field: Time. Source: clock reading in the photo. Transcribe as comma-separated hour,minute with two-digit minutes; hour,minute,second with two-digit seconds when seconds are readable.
12,05
